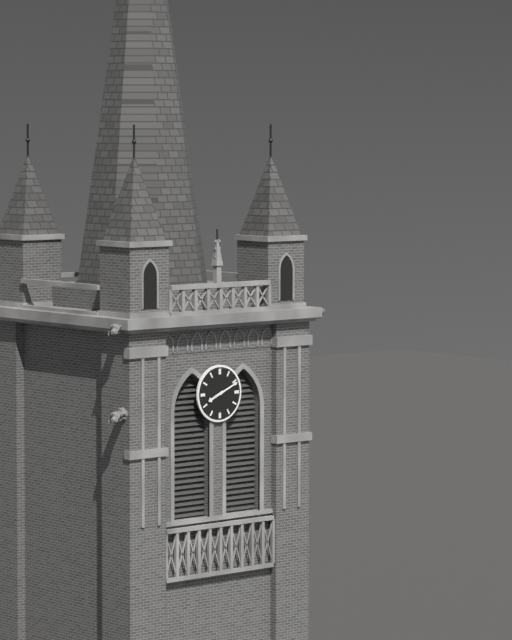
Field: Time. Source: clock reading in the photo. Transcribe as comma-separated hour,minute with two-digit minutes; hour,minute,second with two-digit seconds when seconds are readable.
8,11
